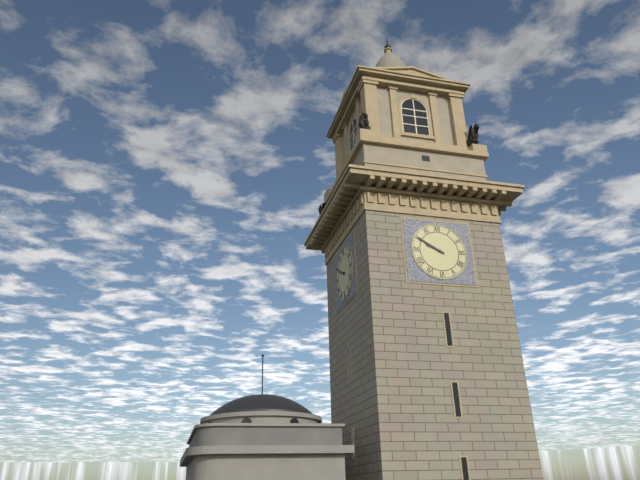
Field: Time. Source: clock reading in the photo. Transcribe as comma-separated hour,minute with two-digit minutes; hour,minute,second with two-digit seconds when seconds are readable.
9,50
